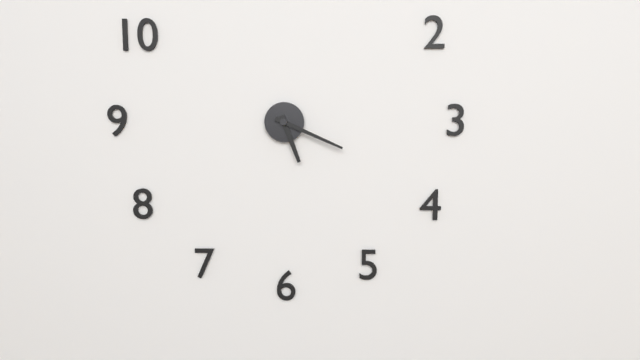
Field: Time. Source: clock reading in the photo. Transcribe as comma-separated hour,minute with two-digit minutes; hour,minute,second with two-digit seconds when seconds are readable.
5,19
